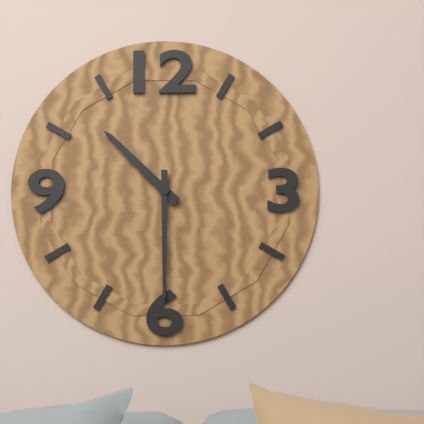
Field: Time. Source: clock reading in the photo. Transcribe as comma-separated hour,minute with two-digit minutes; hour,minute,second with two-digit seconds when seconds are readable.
10,30
